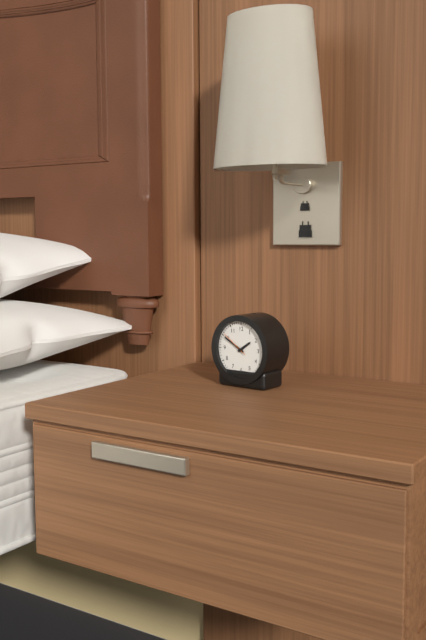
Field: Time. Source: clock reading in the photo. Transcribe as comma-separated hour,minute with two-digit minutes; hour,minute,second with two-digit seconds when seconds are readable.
1,50
